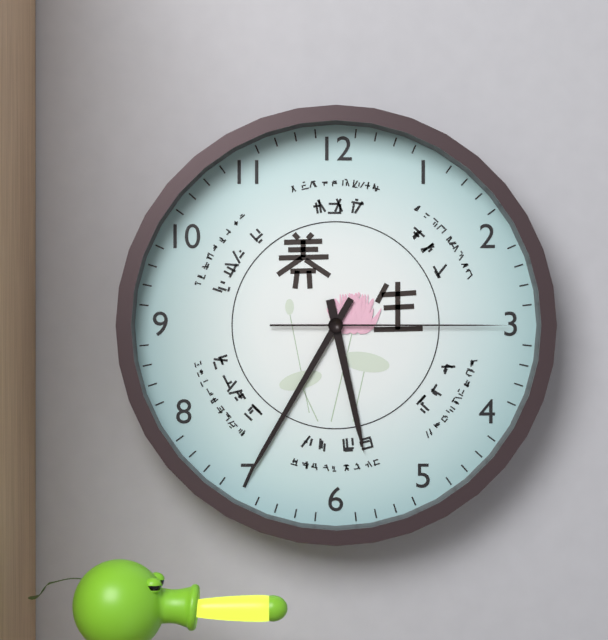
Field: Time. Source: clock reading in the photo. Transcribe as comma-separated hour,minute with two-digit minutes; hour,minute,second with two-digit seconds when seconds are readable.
5,35,15
